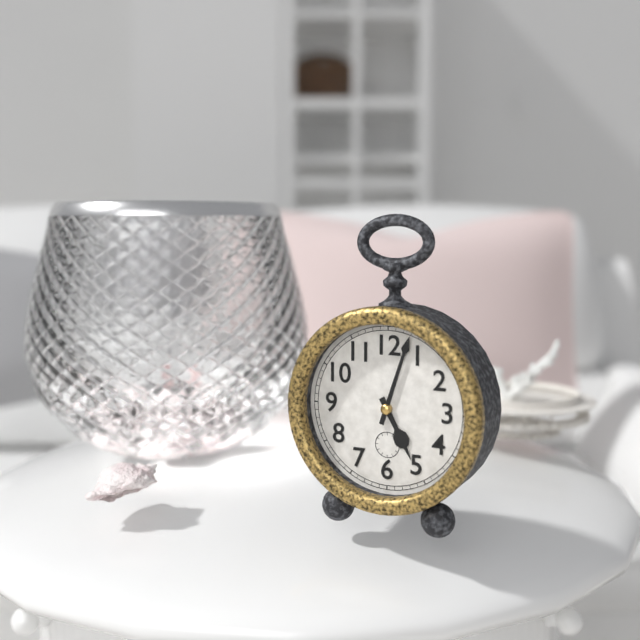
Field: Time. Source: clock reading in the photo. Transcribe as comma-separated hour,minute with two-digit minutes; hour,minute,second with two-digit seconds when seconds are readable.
5,03
